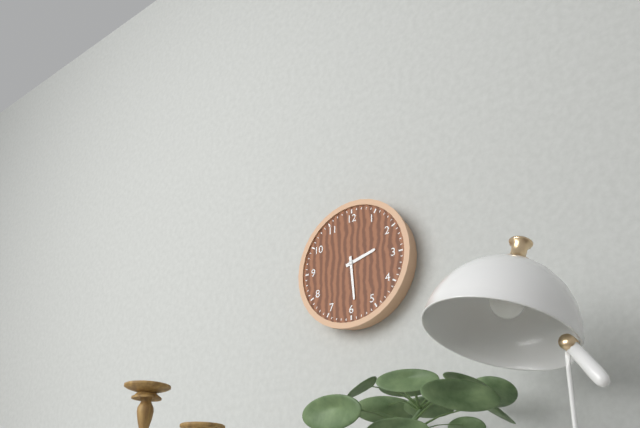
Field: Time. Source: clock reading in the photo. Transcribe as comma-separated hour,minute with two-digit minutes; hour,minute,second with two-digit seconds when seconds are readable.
2,29
